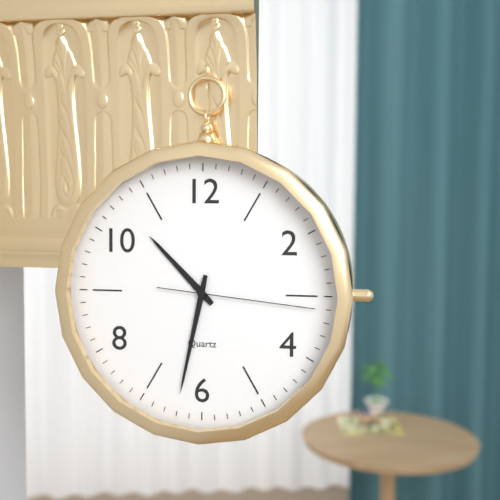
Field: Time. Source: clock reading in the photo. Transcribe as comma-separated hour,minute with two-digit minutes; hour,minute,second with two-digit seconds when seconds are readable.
10,32,16
